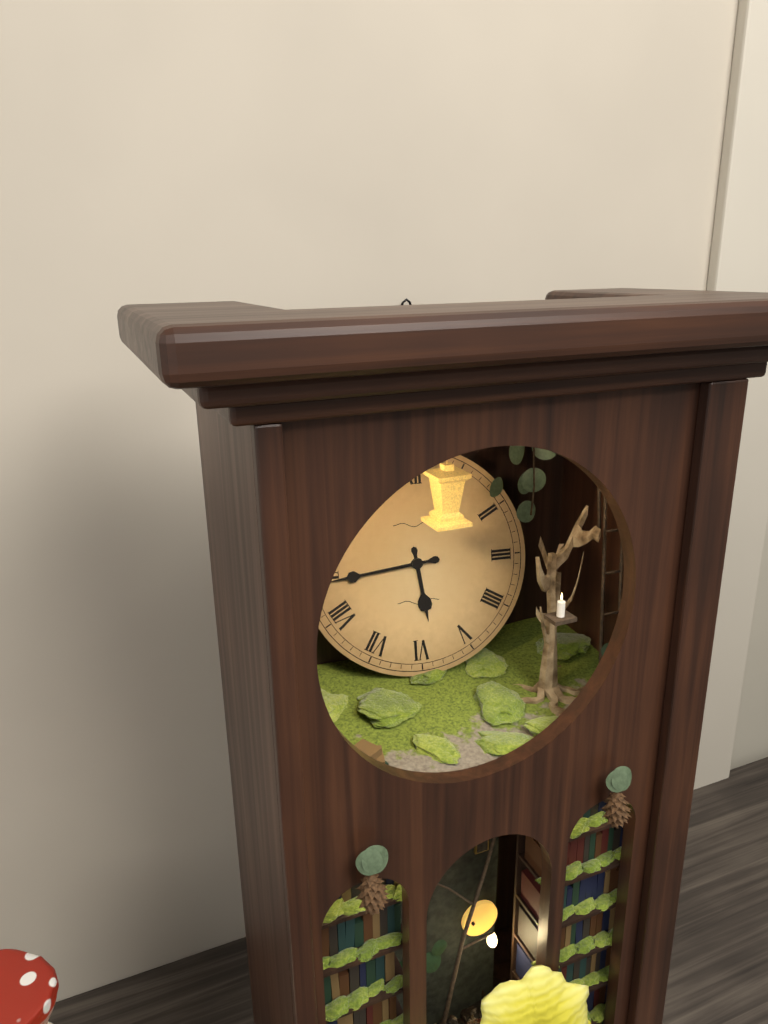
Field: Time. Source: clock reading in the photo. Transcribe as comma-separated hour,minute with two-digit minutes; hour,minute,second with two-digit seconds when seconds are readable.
5,44
